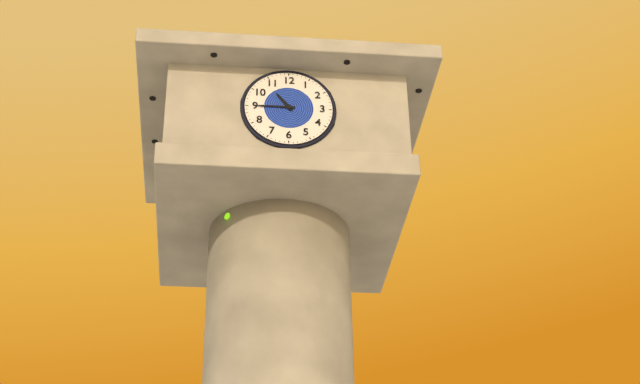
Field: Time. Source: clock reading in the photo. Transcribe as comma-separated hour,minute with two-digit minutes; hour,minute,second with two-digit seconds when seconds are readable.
10,45
